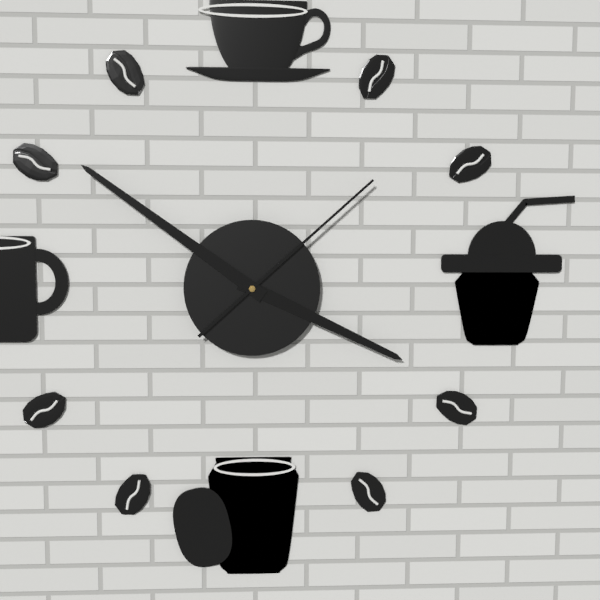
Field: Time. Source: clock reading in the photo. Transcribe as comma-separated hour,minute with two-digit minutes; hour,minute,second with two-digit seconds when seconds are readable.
3,51,08
